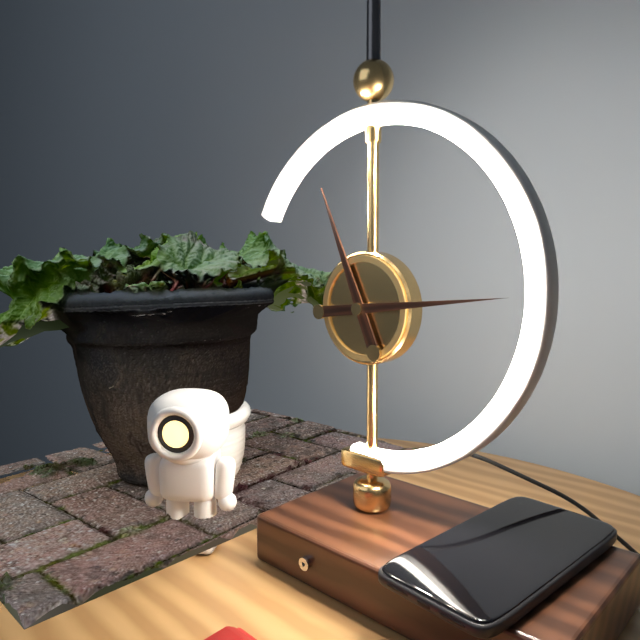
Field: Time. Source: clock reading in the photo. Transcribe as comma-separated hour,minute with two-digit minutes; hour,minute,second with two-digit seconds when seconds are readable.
11,14
